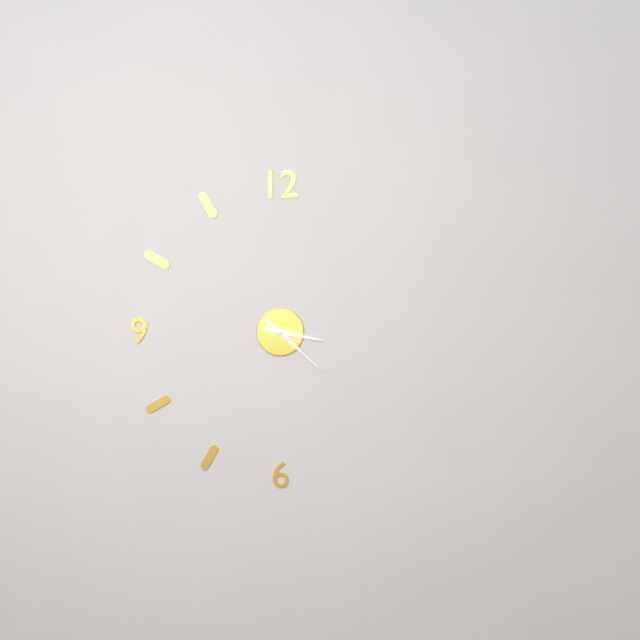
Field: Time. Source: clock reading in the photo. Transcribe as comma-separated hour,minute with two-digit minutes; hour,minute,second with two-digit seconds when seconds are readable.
3,22
